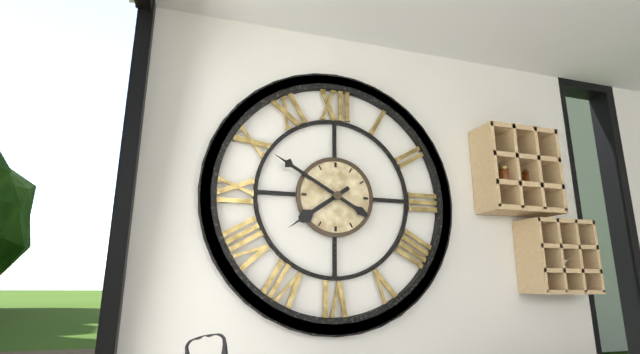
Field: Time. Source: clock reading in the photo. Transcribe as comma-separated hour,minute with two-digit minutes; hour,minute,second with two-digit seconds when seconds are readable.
7,50
